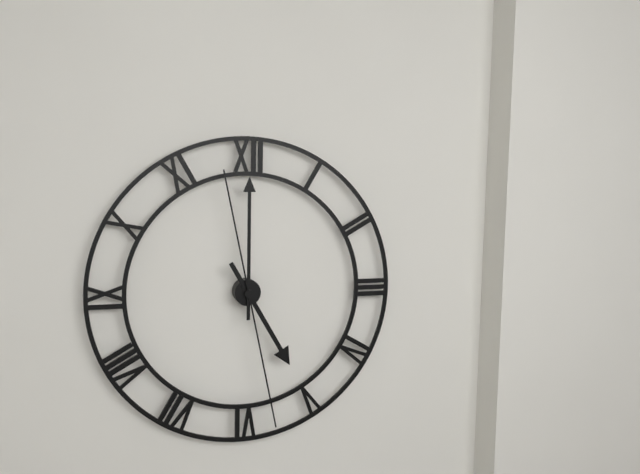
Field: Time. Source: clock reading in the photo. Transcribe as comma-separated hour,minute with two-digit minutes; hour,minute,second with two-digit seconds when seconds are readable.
5,00,28
